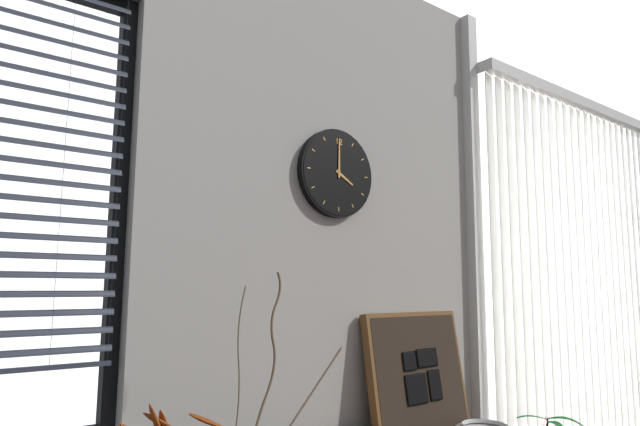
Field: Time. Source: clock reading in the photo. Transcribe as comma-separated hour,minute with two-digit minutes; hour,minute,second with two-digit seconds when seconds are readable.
4,00
